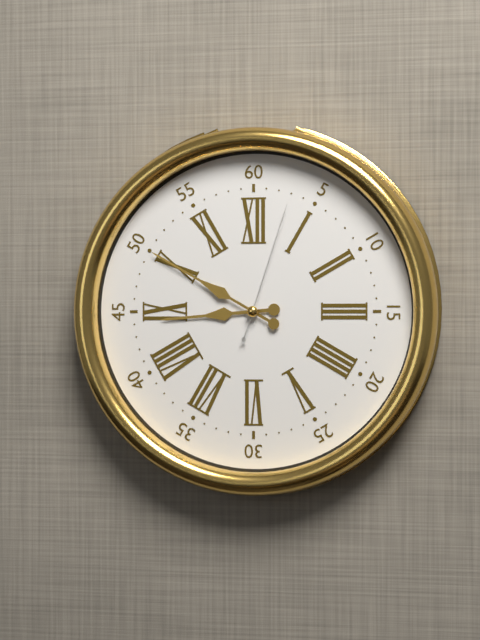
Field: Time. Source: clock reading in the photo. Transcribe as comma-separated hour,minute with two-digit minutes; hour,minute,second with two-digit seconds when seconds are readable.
8,50,03
